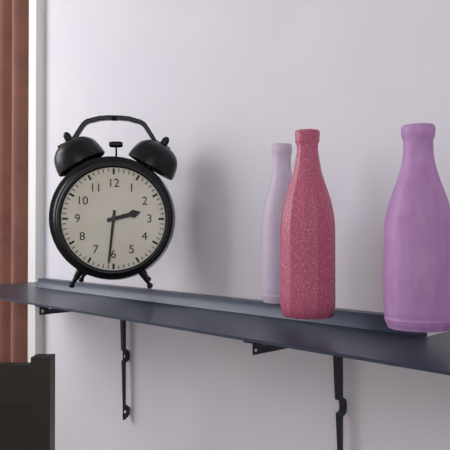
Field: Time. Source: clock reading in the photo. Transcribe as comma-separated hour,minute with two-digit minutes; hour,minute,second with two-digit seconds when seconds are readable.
2,31
